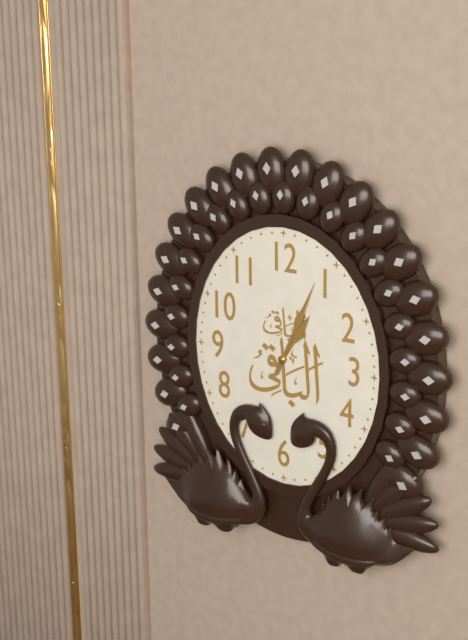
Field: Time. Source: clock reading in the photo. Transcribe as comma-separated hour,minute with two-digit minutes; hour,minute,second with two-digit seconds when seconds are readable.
1,04
